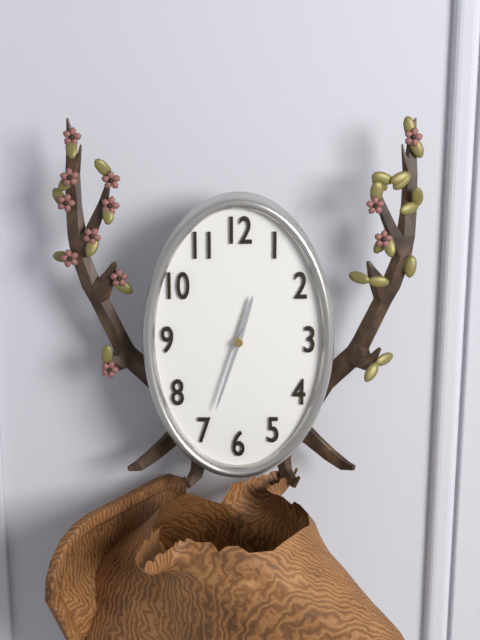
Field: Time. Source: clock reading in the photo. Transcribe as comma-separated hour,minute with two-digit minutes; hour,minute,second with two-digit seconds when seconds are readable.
12,33
